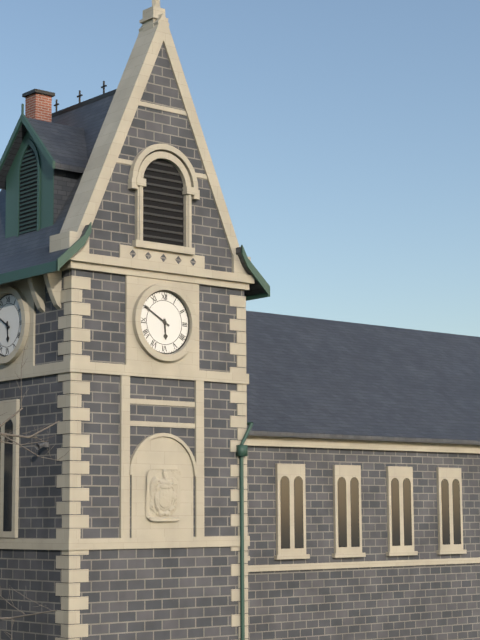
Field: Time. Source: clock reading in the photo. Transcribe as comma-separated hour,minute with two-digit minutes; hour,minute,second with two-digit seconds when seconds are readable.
5,50
